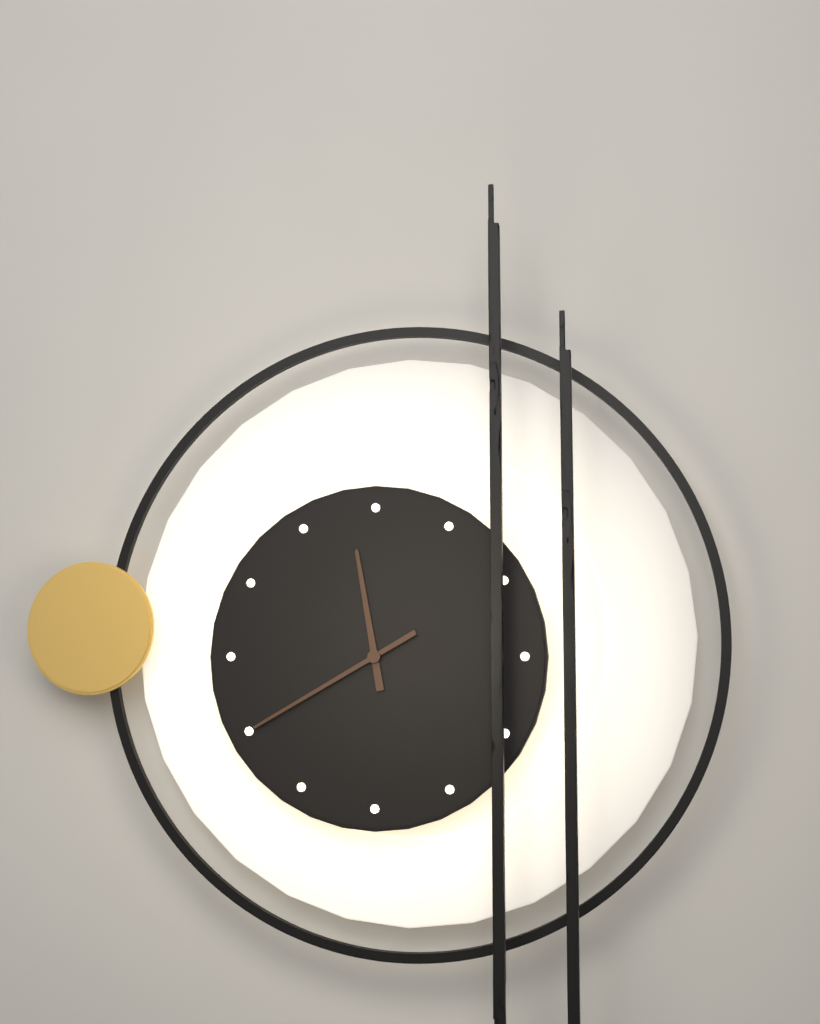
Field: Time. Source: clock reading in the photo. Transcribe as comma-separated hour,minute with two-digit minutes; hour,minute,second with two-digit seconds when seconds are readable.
11,40
